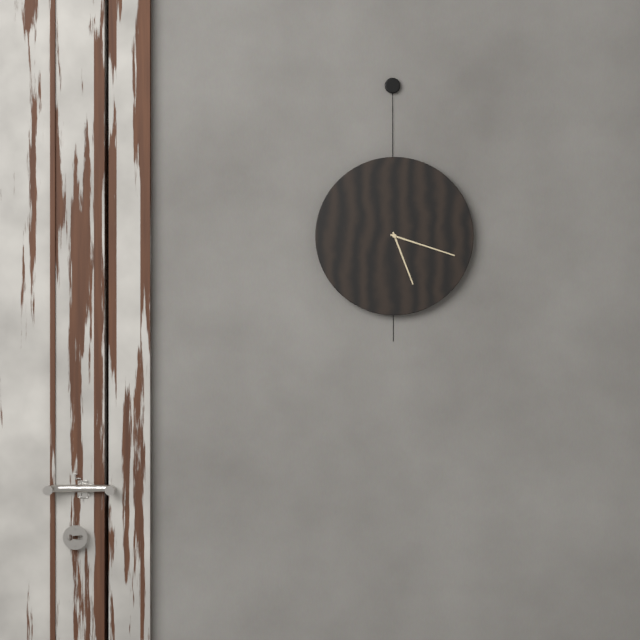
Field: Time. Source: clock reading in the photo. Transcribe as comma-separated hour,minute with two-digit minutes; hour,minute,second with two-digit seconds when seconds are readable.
5,18
